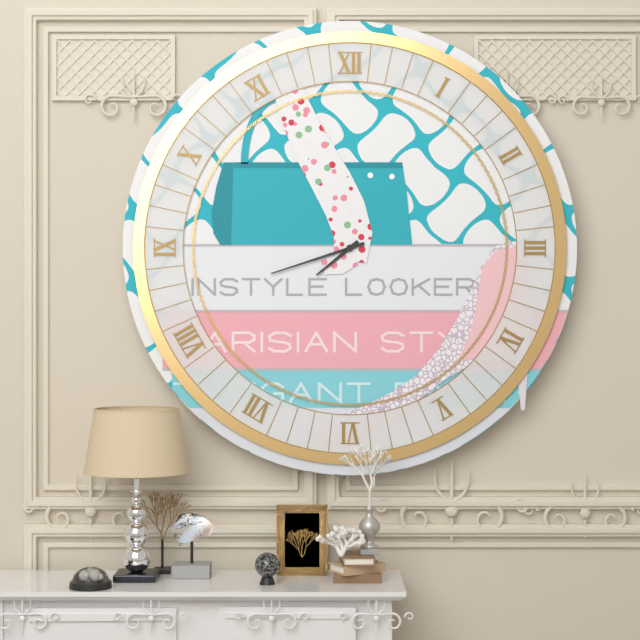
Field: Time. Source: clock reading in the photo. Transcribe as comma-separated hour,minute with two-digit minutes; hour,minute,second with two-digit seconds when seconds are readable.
7,42
